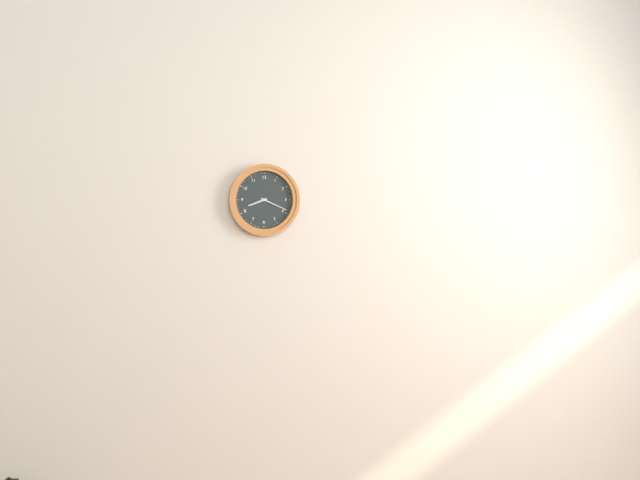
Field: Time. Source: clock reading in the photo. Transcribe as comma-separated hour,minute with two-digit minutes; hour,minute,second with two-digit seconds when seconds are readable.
8,19
